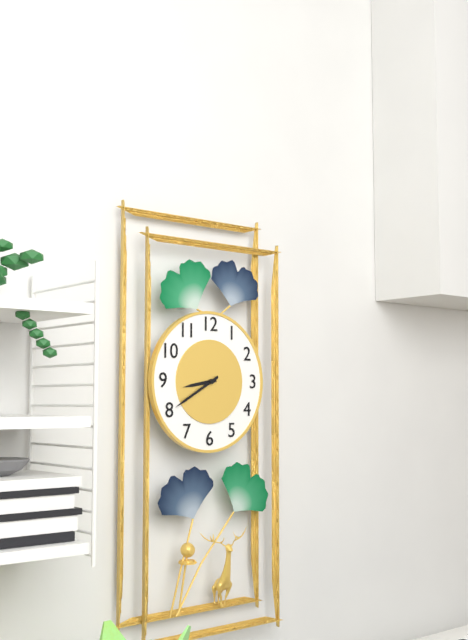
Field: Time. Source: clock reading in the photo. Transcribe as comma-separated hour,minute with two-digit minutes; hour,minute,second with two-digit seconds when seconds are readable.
8,40
